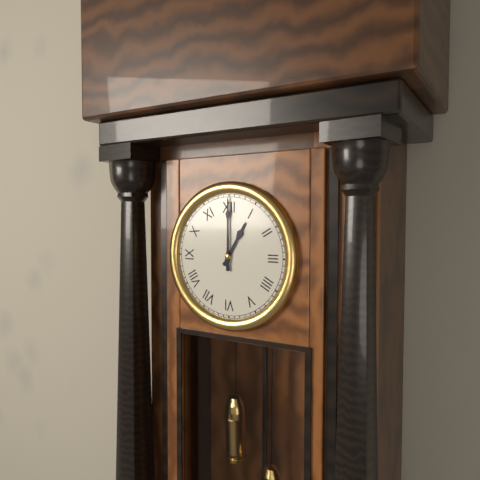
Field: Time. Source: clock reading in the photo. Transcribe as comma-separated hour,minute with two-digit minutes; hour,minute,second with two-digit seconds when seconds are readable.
1,00
